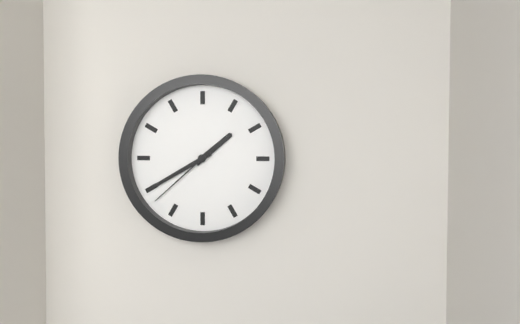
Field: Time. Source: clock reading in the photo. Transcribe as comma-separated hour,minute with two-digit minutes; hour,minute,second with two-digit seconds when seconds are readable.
1,40,38
